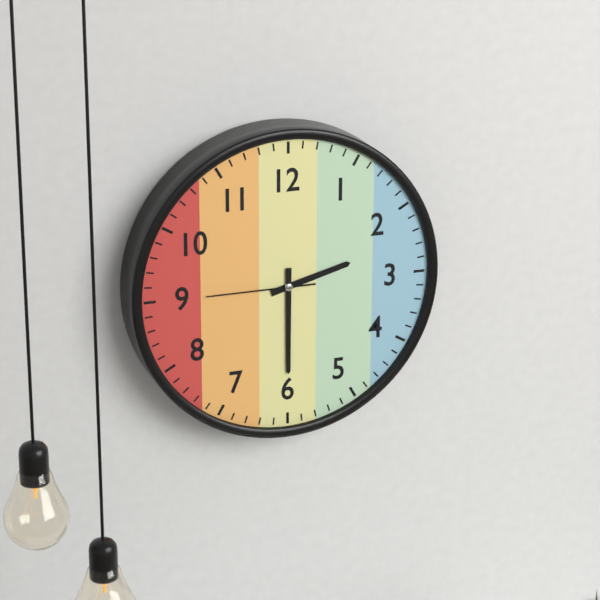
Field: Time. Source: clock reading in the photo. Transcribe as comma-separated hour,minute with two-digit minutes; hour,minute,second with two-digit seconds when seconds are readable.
2,30,45
